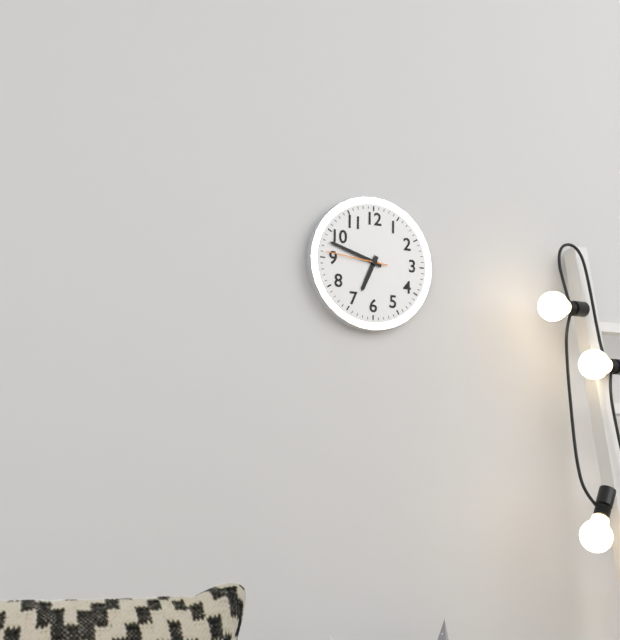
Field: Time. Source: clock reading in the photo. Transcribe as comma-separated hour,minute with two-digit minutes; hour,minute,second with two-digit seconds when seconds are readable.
6,48,46
